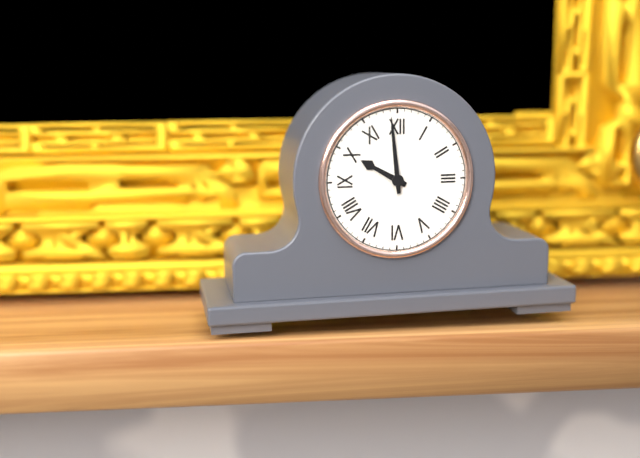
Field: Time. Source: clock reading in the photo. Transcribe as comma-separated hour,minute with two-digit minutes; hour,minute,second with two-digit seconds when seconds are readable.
9,59
